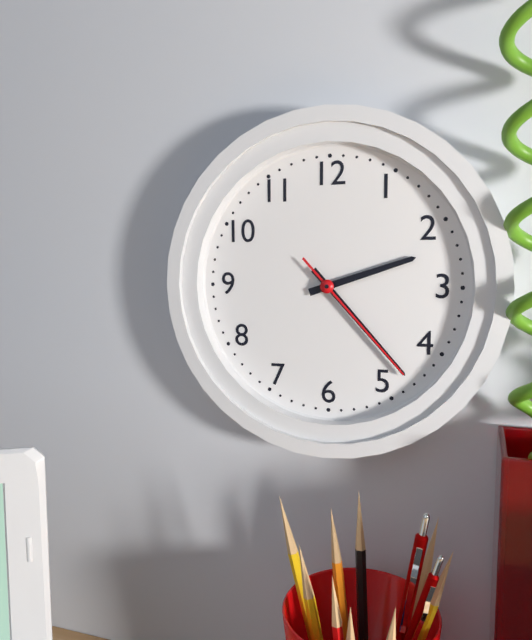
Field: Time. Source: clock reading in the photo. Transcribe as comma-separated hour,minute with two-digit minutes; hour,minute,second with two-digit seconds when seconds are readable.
2,23,23
